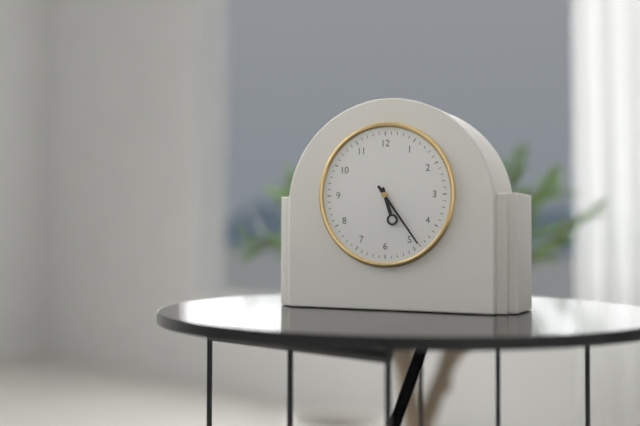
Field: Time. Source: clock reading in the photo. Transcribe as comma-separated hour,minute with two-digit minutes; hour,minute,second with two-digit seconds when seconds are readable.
5,24
